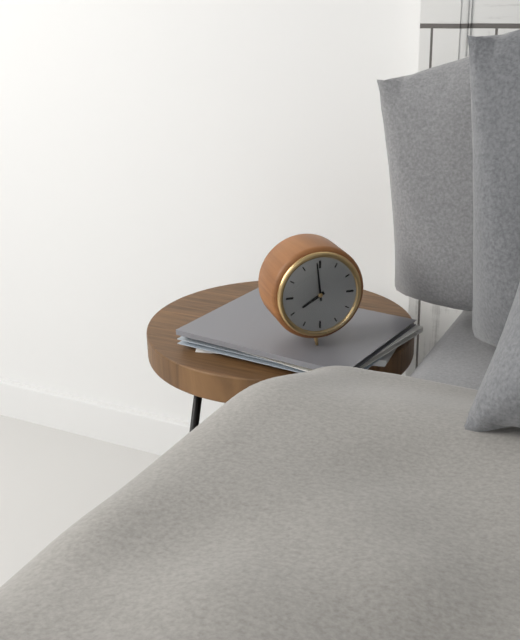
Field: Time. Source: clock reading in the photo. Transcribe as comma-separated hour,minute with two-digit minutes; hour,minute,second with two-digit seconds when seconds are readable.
7,59
